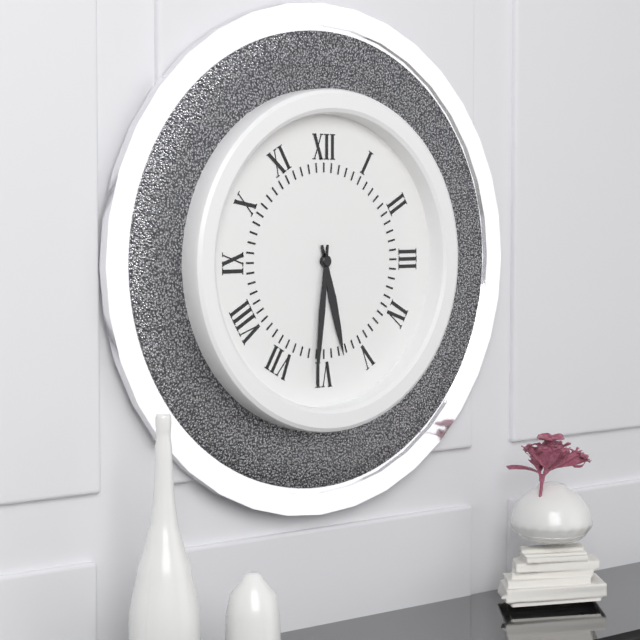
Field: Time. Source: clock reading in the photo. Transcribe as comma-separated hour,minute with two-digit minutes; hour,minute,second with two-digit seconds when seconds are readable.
5,31
